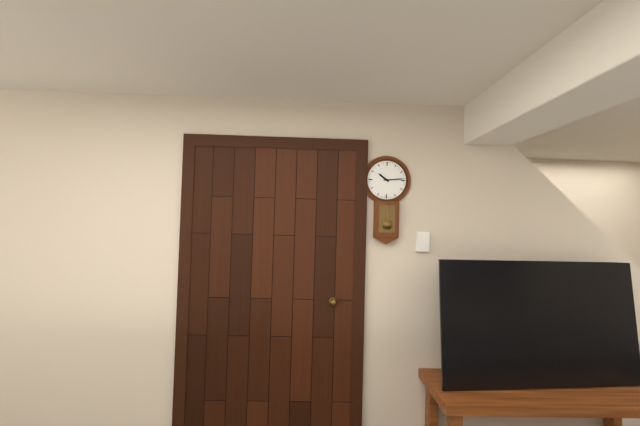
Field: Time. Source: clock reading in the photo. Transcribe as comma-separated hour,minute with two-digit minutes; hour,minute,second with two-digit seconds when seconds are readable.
10,14
